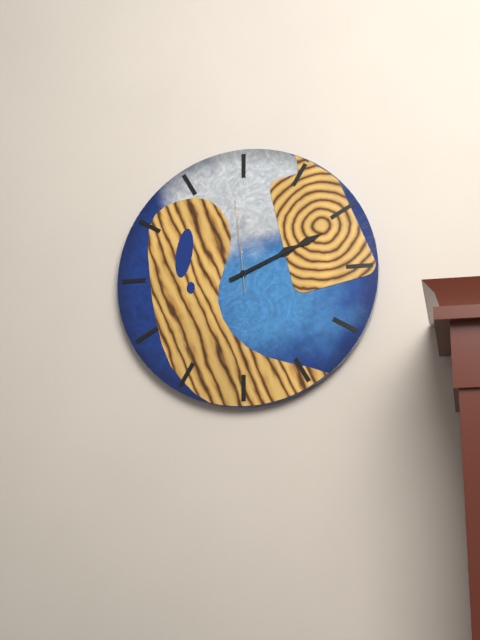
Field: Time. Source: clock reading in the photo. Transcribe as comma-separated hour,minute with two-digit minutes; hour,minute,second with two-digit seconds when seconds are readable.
2,11,59
